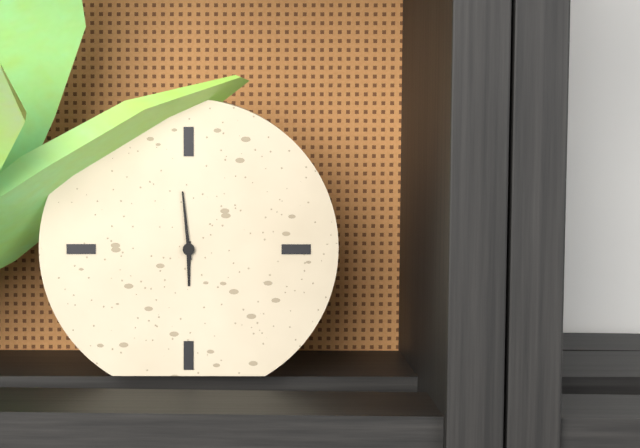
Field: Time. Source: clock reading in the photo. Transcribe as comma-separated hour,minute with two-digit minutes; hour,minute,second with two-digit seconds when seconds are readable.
5,59
